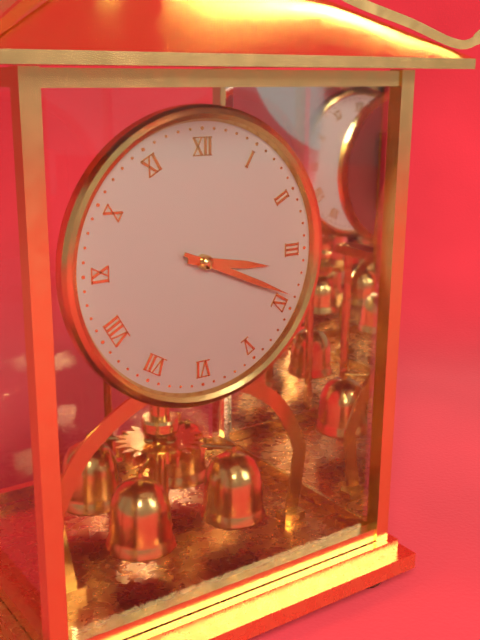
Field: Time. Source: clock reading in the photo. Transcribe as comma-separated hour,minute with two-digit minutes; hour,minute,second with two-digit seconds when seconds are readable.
3,19
